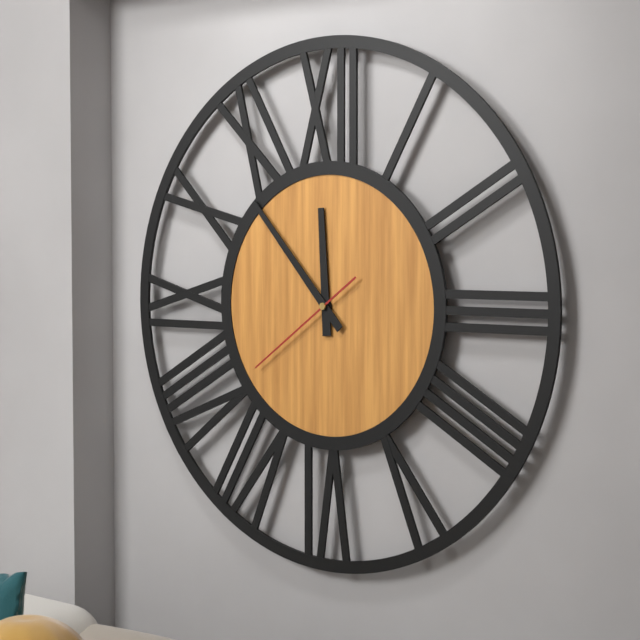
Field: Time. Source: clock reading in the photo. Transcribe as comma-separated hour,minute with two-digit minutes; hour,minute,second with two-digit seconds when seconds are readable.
11,53,39
